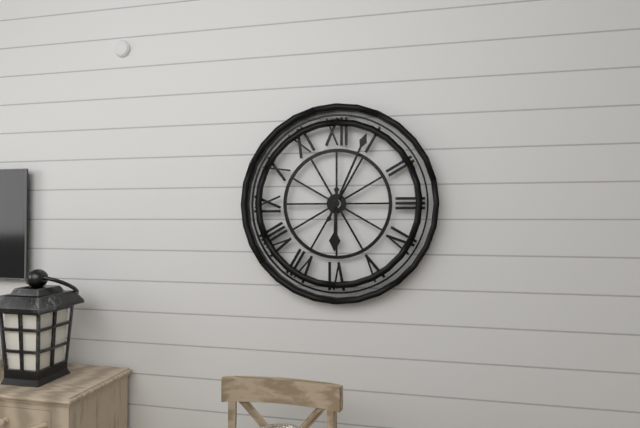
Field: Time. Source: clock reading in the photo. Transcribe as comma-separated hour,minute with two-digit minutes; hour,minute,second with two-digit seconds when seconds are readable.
6,04
